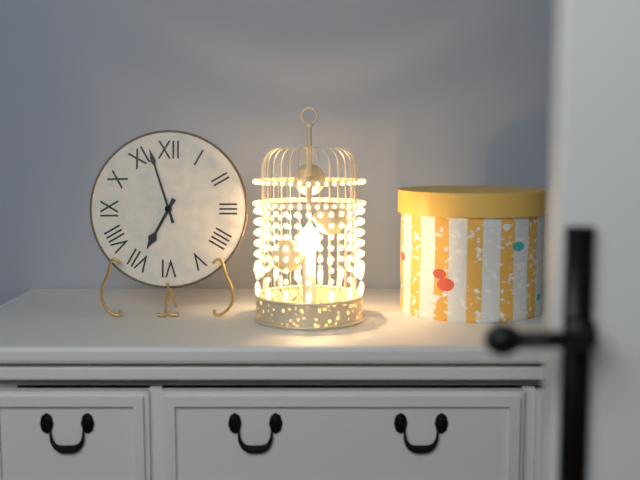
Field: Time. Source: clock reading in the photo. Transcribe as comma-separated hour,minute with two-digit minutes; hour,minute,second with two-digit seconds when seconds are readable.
6,57
